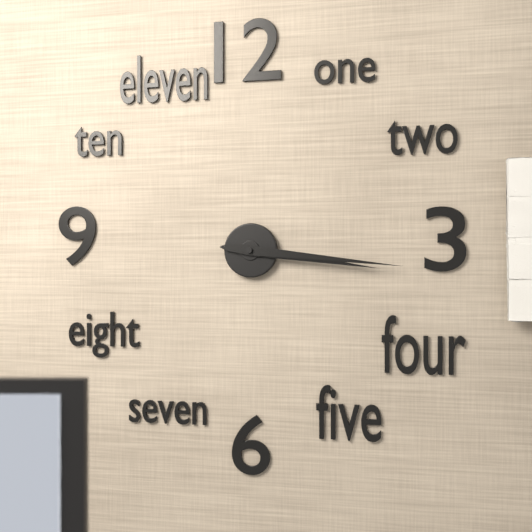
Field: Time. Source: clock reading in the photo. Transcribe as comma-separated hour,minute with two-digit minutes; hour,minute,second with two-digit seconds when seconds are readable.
3,16
